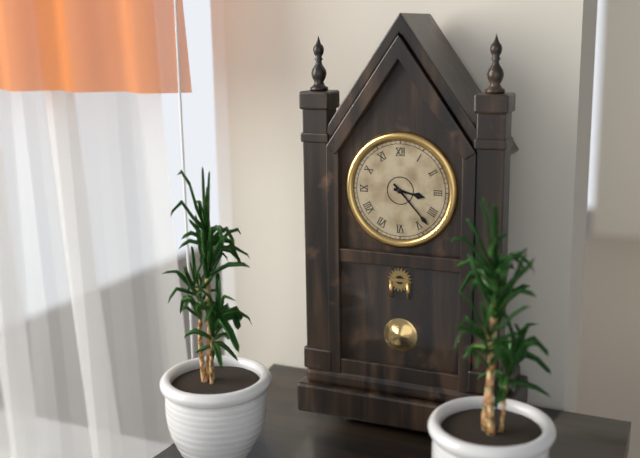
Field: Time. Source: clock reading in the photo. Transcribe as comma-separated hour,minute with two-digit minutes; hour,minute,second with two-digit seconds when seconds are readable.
3,23
